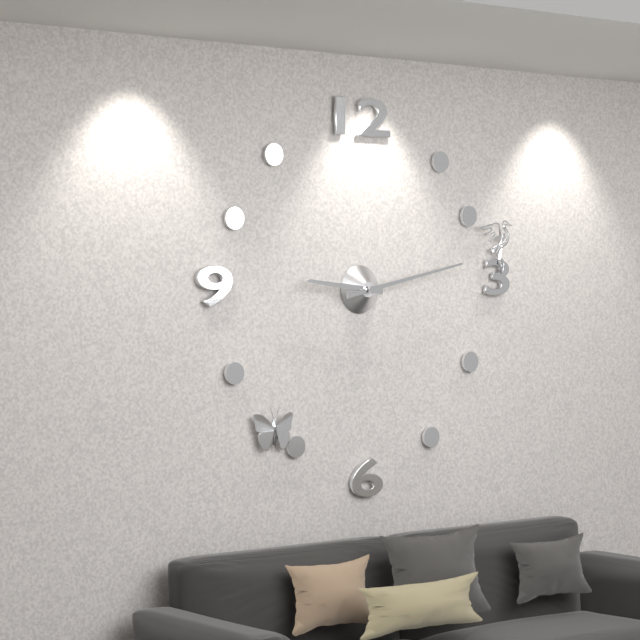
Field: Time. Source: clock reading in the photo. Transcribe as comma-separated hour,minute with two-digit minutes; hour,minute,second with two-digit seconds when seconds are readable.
9,13
